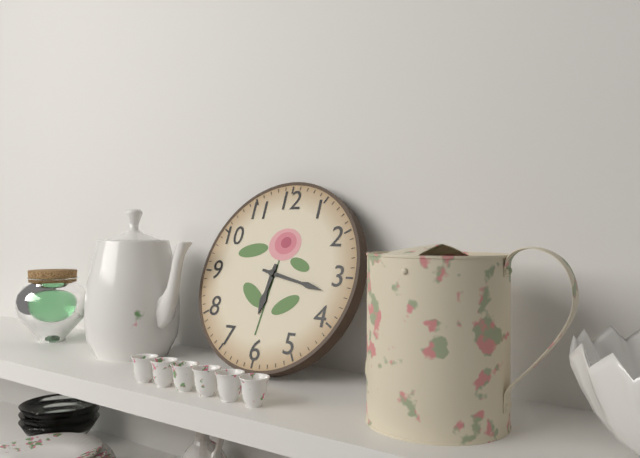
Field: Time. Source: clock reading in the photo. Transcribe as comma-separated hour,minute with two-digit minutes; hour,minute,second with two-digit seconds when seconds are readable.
6,17
